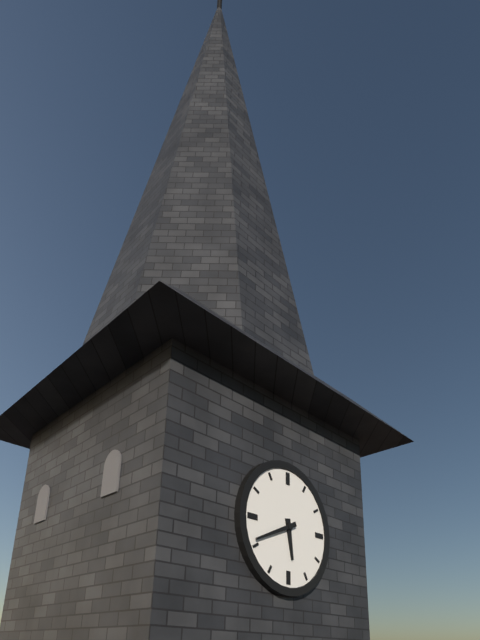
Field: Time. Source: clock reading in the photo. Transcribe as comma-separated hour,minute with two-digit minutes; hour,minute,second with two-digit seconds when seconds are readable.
5,41
